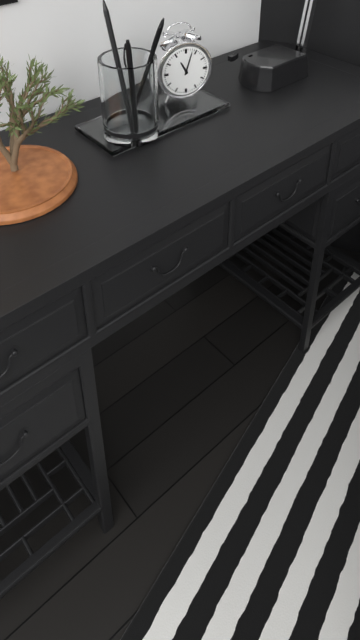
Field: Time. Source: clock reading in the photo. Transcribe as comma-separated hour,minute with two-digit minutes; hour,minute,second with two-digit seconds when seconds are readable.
11,03
